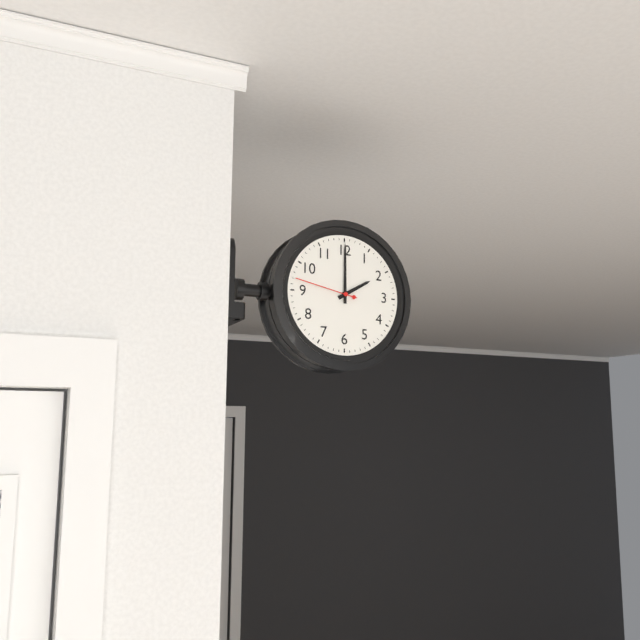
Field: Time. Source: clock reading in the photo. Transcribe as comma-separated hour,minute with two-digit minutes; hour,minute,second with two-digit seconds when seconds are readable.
2,00,47
